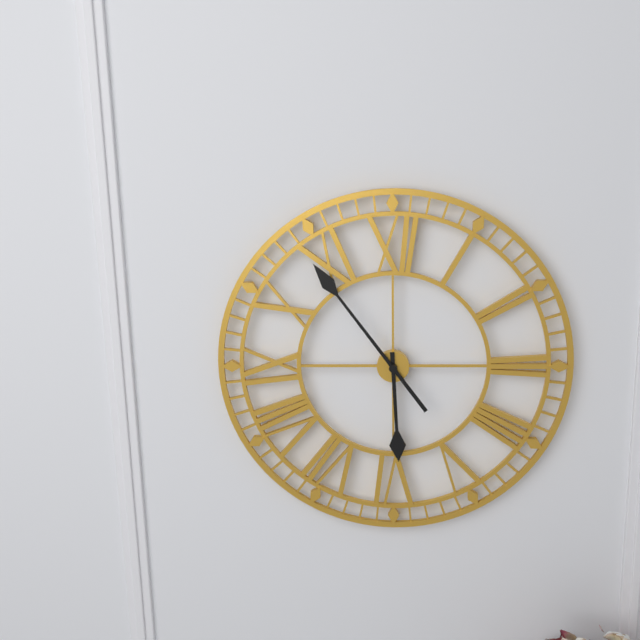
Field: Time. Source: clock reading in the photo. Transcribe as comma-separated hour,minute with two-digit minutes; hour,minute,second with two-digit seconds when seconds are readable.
5,54
